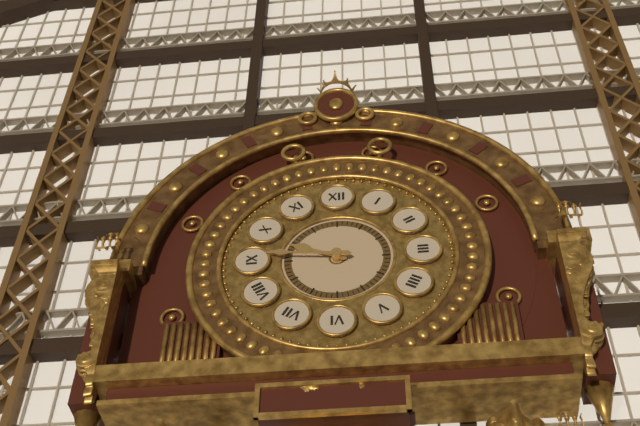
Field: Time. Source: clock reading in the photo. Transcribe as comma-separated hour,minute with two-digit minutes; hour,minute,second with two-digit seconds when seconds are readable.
9,46
